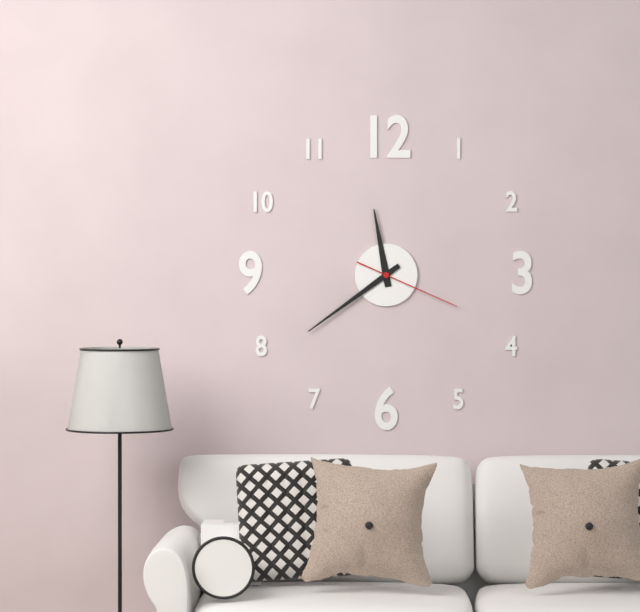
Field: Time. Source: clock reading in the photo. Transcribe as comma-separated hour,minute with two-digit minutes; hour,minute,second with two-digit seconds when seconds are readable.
11,39,19
